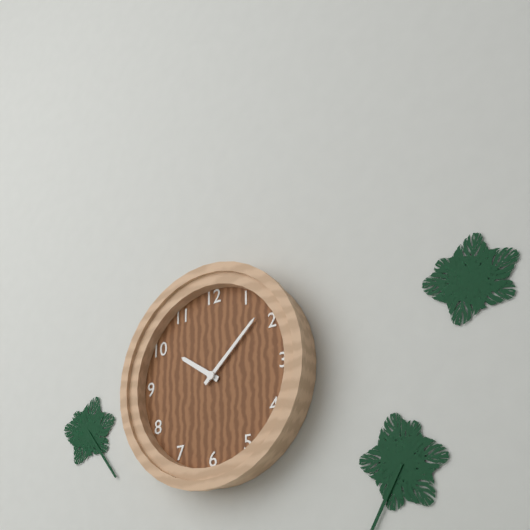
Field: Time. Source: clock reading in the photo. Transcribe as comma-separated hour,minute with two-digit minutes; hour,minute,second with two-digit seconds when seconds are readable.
10,08
